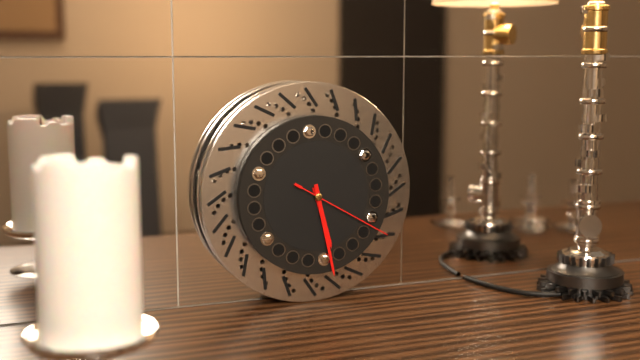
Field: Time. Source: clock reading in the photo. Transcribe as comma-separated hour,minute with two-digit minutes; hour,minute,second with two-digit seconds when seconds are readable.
5,28,20
